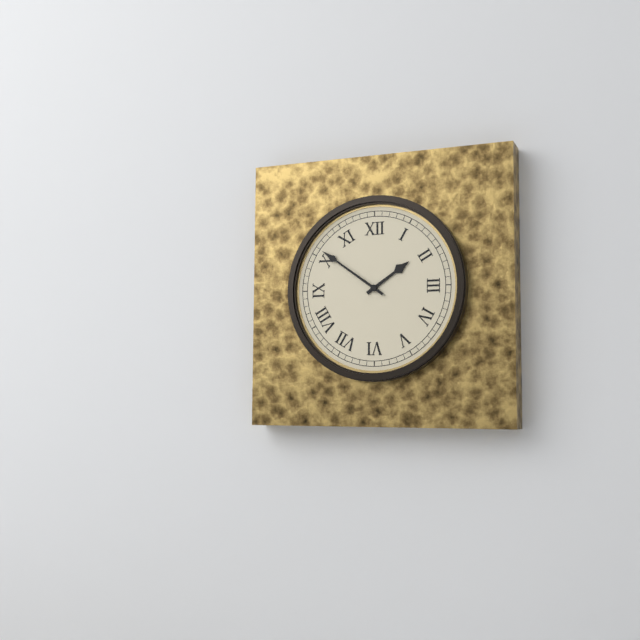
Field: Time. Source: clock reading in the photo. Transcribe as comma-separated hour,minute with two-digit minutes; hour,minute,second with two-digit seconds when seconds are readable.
1,51
